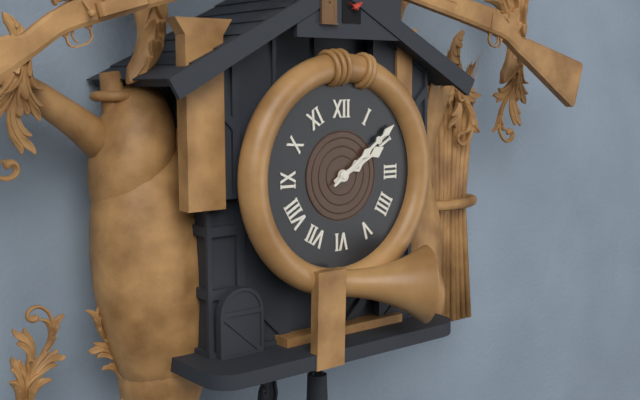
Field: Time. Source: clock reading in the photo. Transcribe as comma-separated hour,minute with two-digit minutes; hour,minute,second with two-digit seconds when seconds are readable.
2,09
